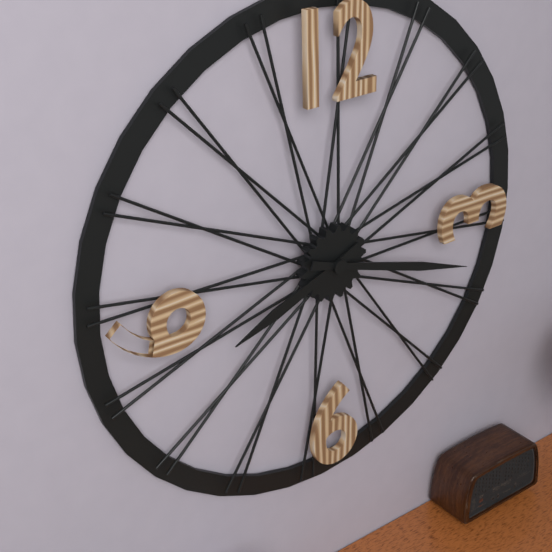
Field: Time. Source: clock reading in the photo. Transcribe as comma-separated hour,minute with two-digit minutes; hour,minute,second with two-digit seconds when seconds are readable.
8,18
